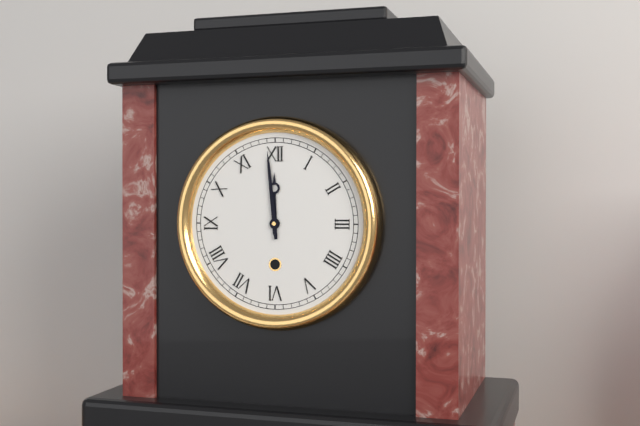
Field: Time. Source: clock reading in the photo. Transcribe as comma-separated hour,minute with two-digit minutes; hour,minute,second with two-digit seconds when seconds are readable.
11,59
